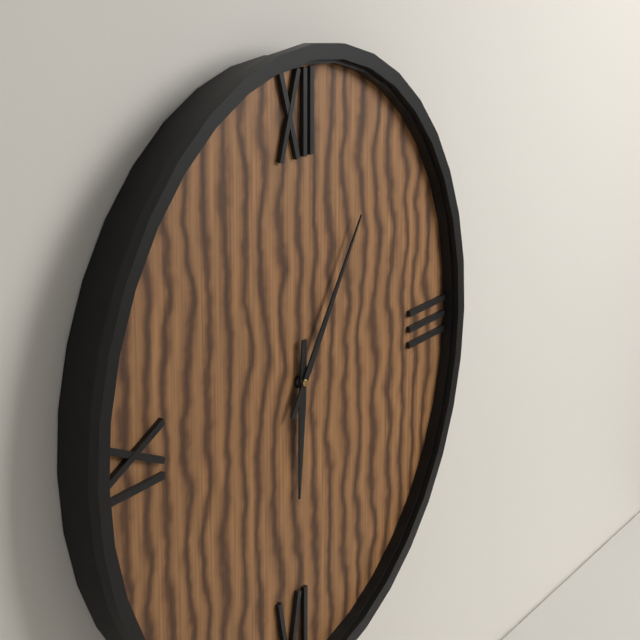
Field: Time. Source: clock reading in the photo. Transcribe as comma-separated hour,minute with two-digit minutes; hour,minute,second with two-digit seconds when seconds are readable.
6,06
